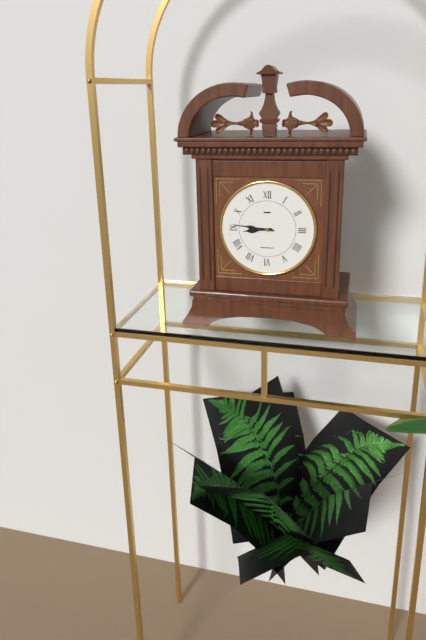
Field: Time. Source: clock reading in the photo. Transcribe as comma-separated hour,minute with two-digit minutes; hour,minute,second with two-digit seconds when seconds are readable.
8,46
